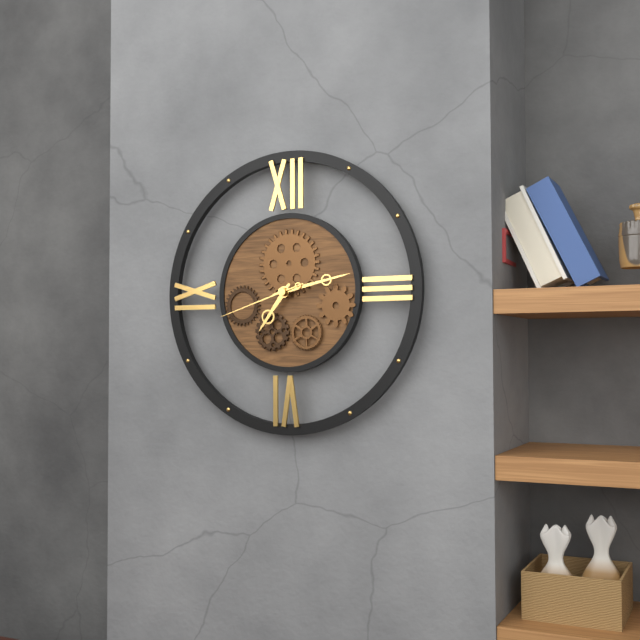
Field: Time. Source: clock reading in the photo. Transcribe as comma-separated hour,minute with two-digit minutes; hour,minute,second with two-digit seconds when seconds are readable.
7,13,42
